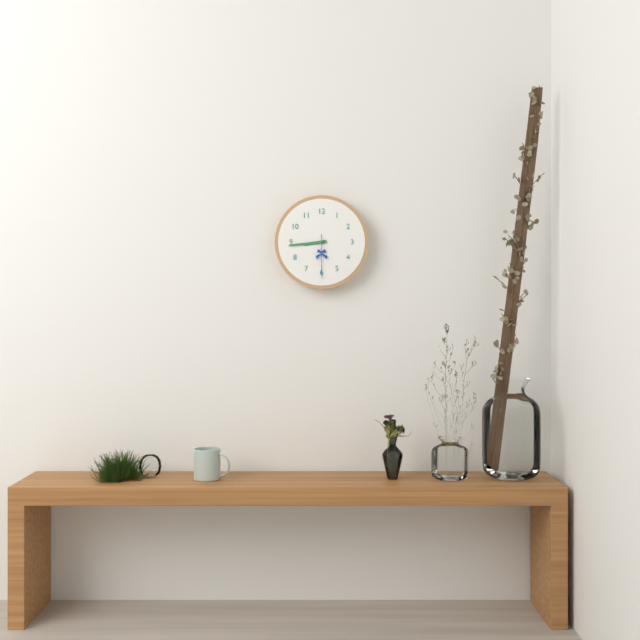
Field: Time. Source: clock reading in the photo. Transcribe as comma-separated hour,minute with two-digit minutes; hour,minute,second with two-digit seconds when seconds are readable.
8,44
